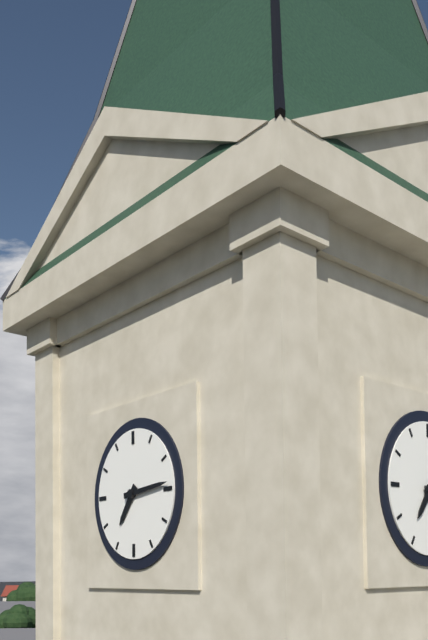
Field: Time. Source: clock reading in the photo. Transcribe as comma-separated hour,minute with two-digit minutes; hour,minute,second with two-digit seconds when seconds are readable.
7,14
